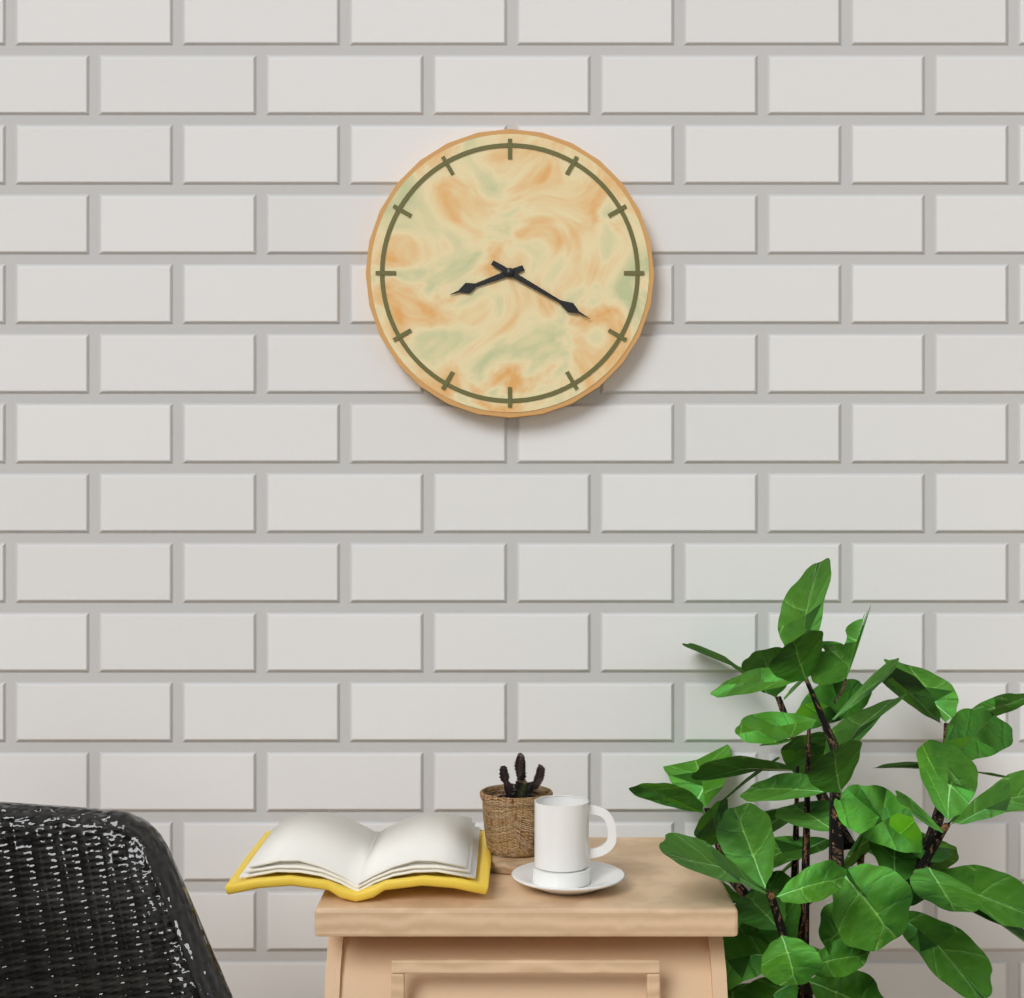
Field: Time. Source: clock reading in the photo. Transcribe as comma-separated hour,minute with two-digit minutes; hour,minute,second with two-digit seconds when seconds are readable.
8,20
